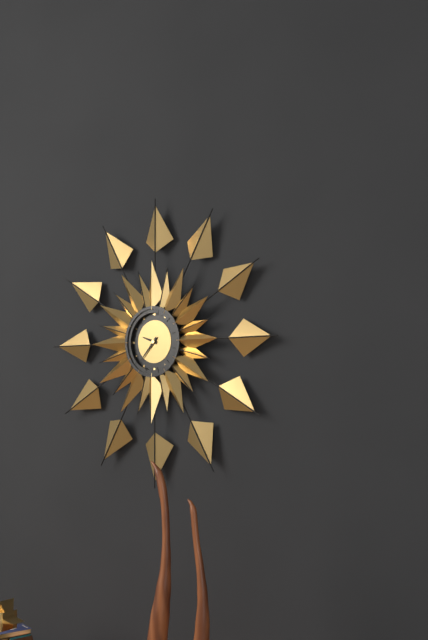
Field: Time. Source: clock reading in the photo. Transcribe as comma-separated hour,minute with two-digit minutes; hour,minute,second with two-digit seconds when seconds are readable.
9,37
